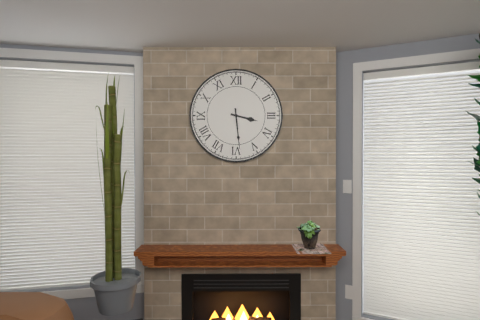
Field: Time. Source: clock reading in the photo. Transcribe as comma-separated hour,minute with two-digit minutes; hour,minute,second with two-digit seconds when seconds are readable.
3,29
